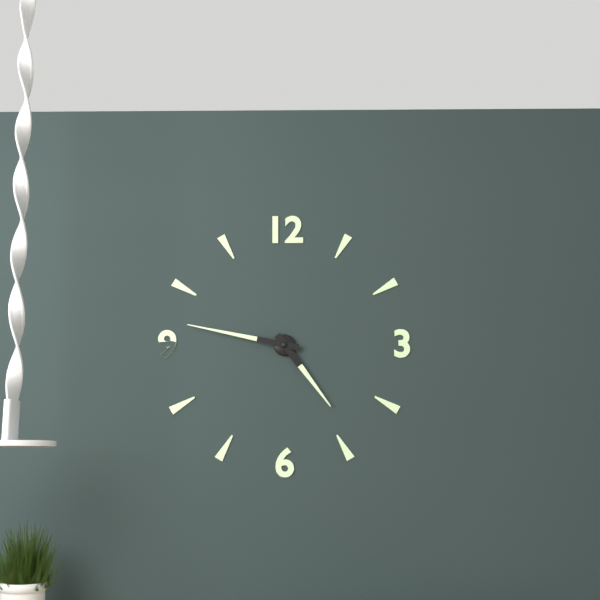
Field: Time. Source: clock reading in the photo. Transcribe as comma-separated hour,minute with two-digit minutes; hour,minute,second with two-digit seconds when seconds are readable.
4,47
